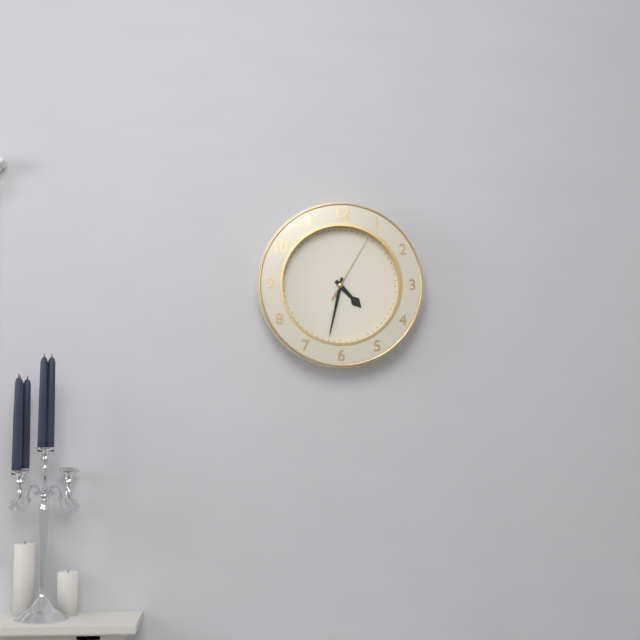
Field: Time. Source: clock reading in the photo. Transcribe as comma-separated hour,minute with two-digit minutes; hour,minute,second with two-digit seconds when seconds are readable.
4,32,05
